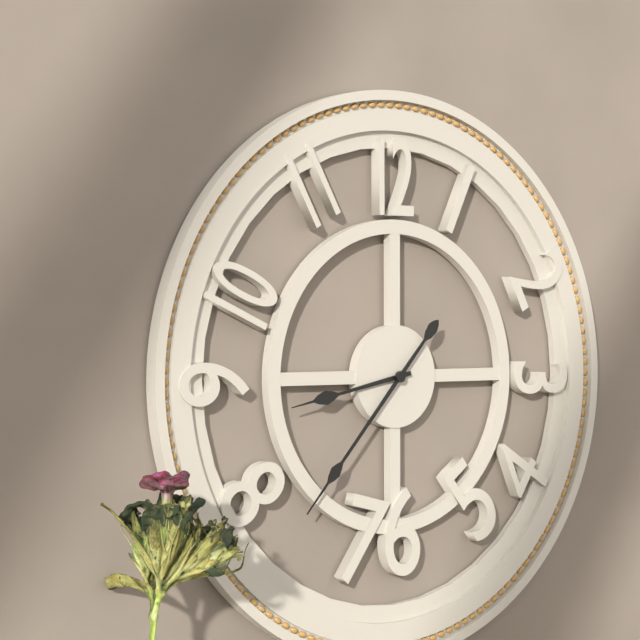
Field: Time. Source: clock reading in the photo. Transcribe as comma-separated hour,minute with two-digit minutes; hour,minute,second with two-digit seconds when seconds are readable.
8,37
